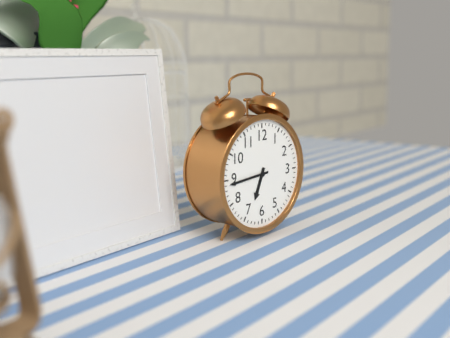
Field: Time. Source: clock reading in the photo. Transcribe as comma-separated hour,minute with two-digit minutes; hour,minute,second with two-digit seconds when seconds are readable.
6,44
